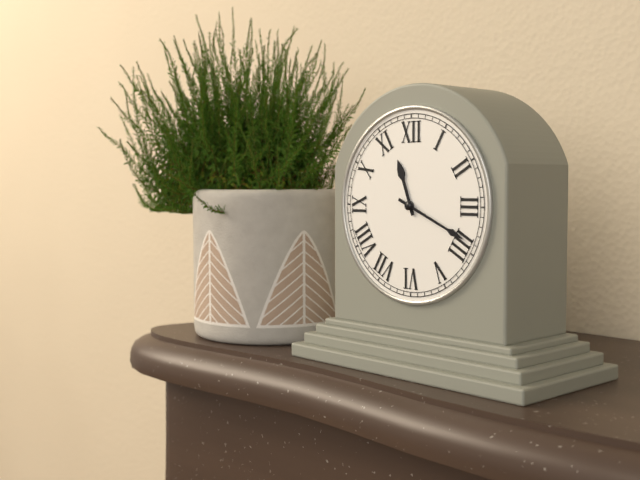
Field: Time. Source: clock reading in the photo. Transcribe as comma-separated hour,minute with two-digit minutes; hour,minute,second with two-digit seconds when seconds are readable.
11,19
